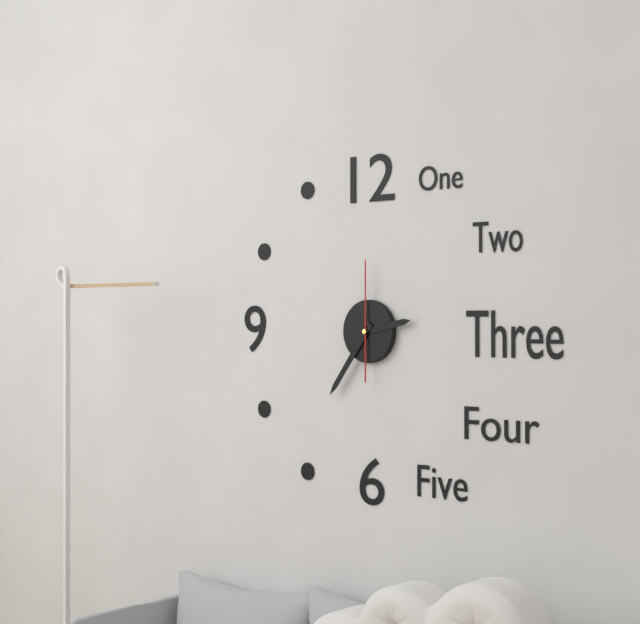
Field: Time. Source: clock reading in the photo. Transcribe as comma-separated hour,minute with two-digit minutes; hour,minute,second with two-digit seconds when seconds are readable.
2,36,00
